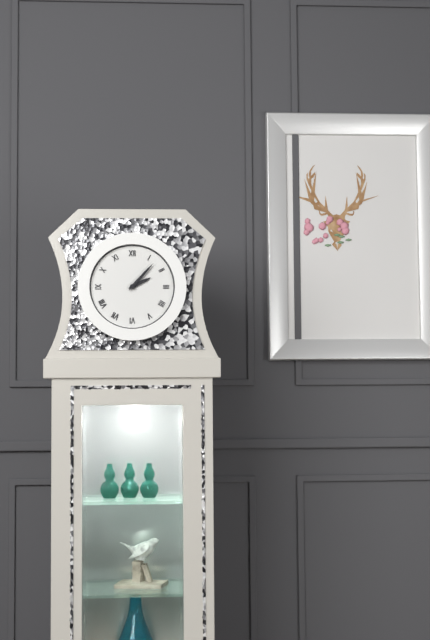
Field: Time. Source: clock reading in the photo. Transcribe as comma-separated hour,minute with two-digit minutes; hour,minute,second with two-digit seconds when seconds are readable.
2,07
